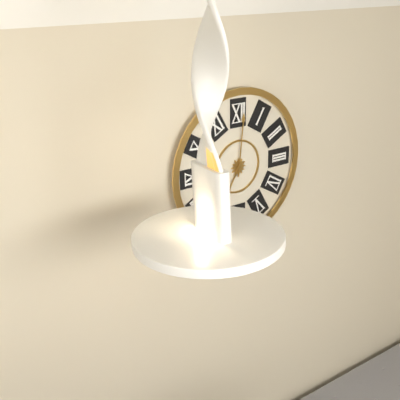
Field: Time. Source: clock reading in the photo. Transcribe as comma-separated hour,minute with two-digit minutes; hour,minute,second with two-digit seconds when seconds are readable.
7,01
